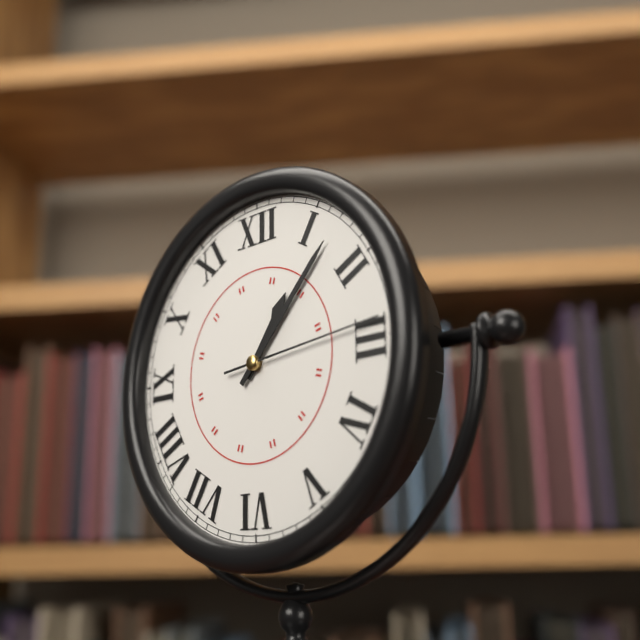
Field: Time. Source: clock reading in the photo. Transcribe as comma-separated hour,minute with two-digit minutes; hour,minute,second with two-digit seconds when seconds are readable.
1,07,14
